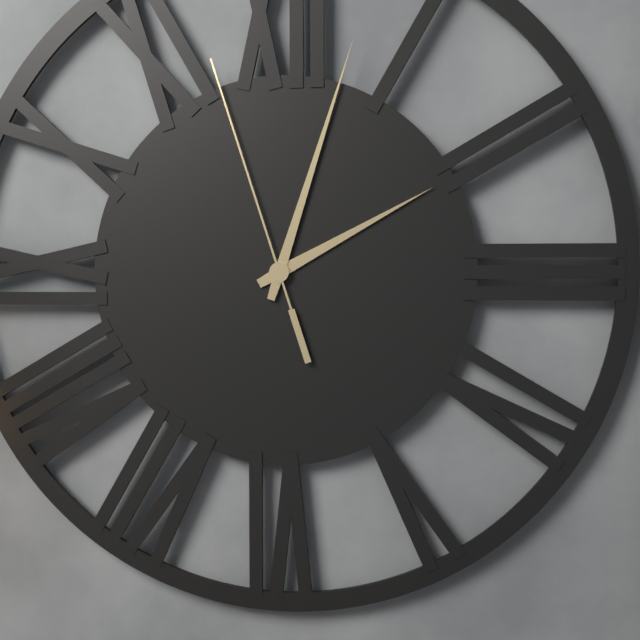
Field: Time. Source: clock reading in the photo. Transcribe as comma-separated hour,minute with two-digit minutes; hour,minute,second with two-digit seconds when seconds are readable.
2,03,57
